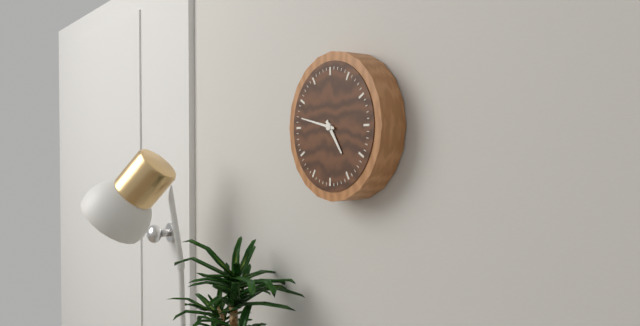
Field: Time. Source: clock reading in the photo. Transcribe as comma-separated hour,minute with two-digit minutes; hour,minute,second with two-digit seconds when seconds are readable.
4,47
